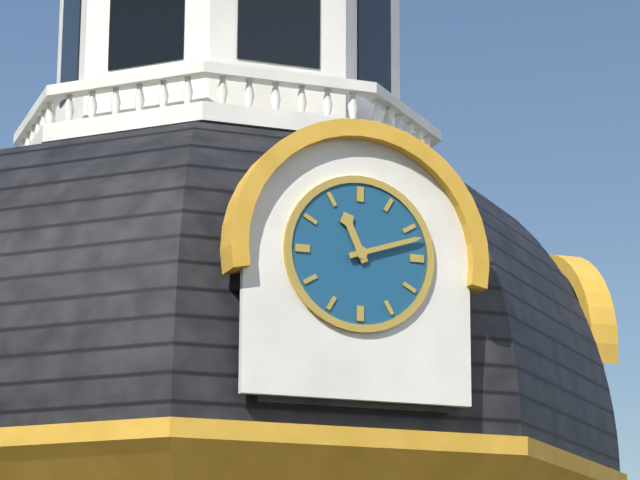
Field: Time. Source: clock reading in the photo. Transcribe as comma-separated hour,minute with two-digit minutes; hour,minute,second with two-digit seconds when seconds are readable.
11,12
